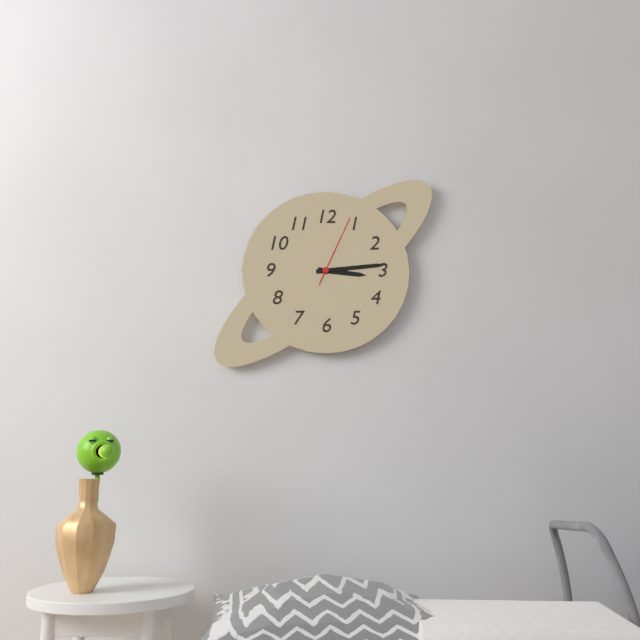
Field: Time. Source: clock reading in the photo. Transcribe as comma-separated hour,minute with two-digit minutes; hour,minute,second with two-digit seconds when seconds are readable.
3,14,04
